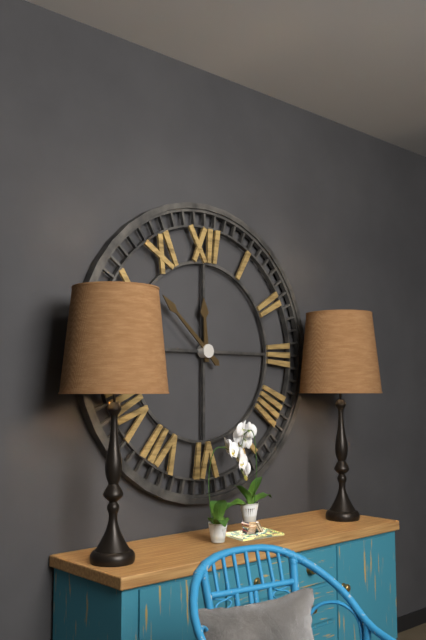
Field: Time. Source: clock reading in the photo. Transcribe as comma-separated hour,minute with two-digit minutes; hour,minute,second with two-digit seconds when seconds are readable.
11,52
